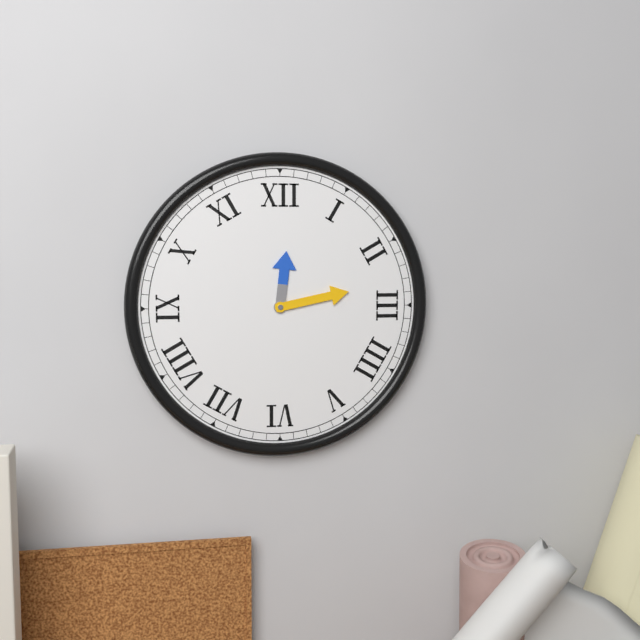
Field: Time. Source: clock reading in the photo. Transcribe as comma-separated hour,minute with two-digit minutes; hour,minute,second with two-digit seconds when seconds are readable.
12,13
